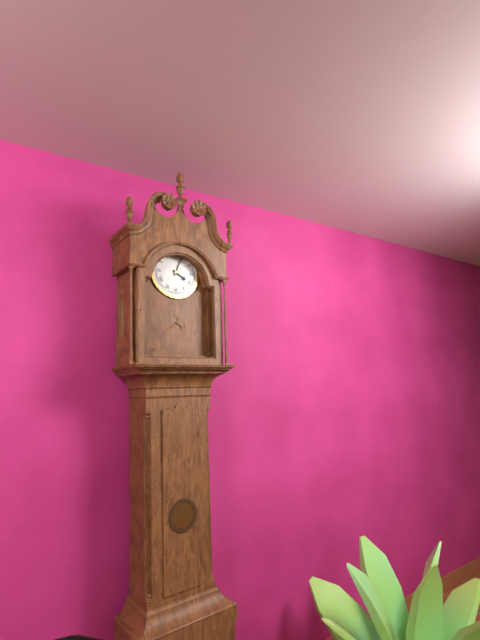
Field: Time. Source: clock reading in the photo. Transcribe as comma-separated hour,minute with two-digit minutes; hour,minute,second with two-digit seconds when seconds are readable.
4,04
